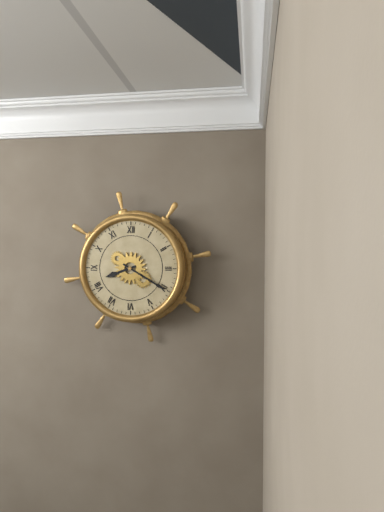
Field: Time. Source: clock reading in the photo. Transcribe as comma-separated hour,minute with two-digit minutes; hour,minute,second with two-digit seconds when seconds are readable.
8,20
